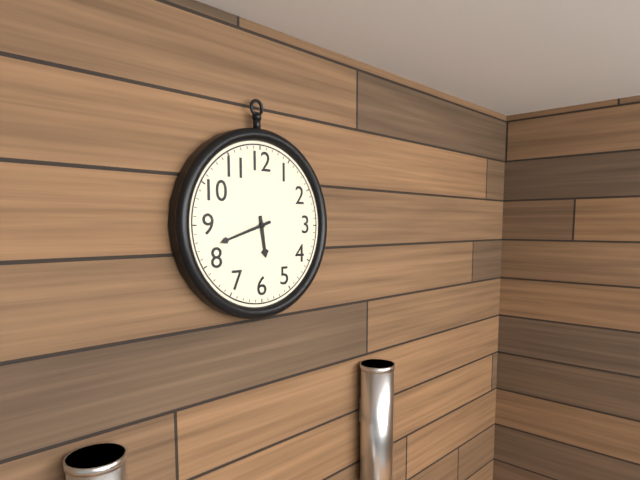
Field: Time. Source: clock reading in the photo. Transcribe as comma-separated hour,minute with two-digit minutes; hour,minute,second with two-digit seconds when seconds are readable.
5,42
